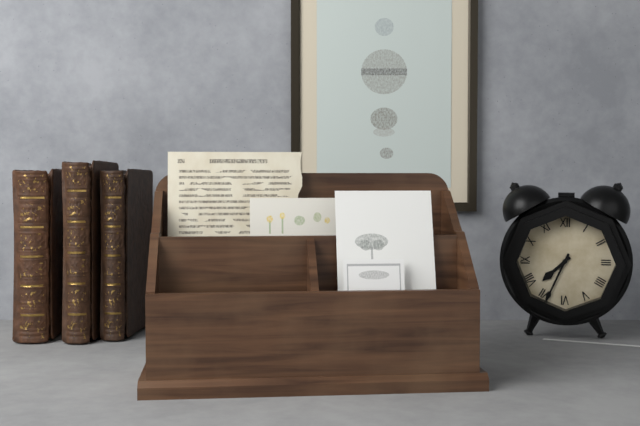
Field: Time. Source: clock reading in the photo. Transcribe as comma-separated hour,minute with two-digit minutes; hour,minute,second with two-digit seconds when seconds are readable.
7,34
